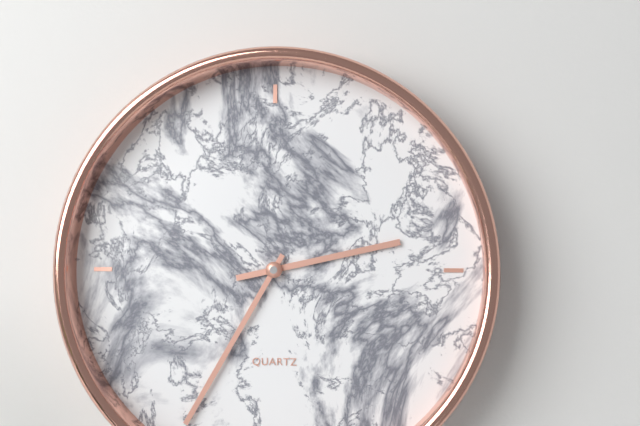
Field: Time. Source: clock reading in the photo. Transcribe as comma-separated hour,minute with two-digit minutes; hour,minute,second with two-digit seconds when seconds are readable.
2,35
